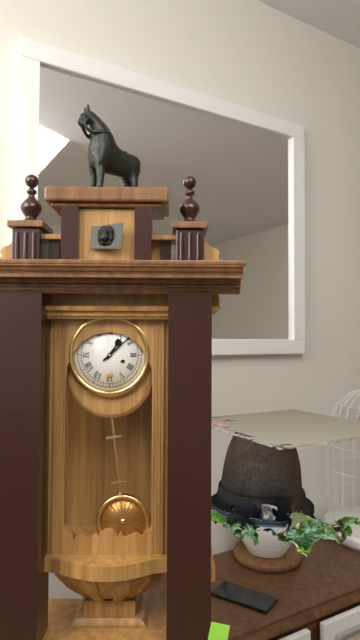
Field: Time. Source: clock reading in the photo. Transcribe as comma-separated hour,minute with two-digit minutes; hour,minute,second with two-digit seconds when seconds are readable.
1,08
